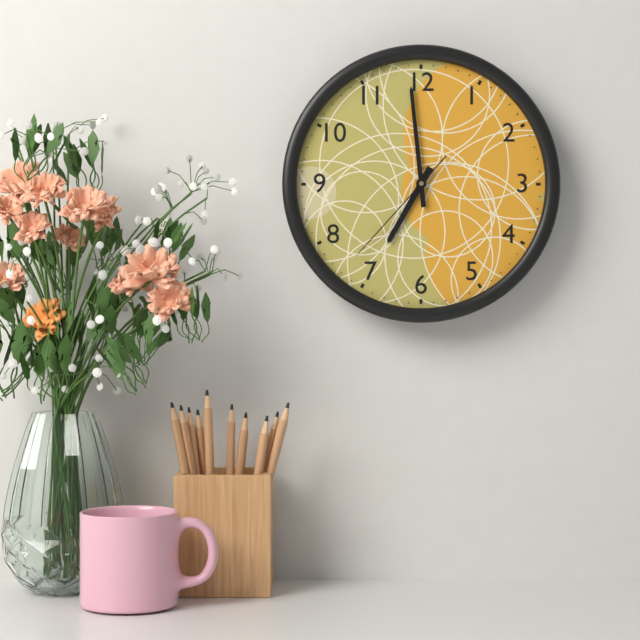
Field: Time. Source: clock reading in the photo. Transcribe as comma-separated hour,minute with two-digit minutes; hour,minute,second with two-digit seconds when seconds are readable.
6,59,37
